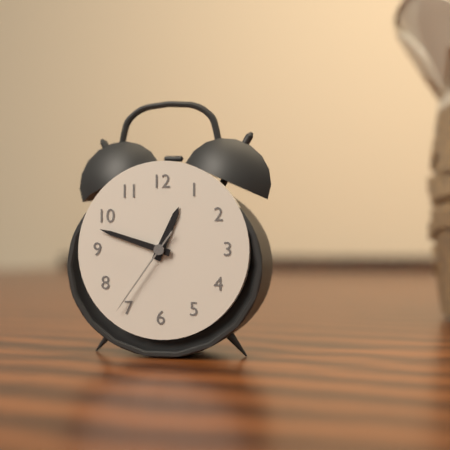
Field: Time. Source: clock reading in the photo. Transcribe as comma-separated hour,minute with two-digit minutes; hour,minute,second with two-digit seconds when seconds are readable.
12,48,36
